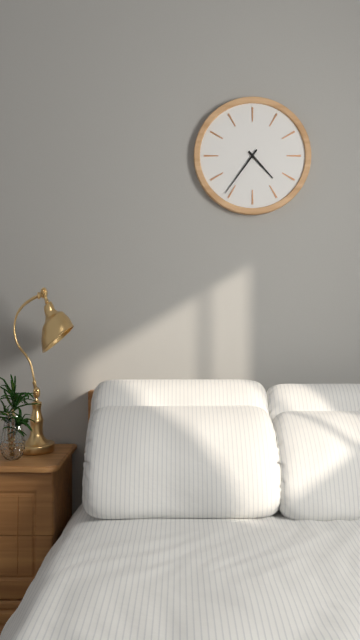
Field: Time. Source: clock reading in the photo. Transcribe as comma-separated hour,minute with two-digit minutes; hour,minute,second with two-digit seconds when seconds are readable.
4,36
